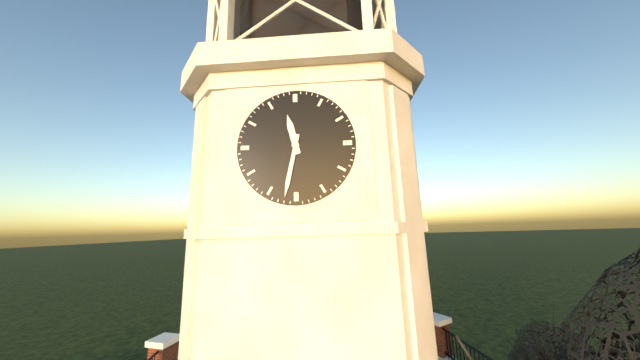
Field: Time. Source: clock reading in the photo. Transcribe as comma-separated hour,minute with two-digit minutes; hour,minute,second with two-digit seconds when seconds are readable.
11,32
